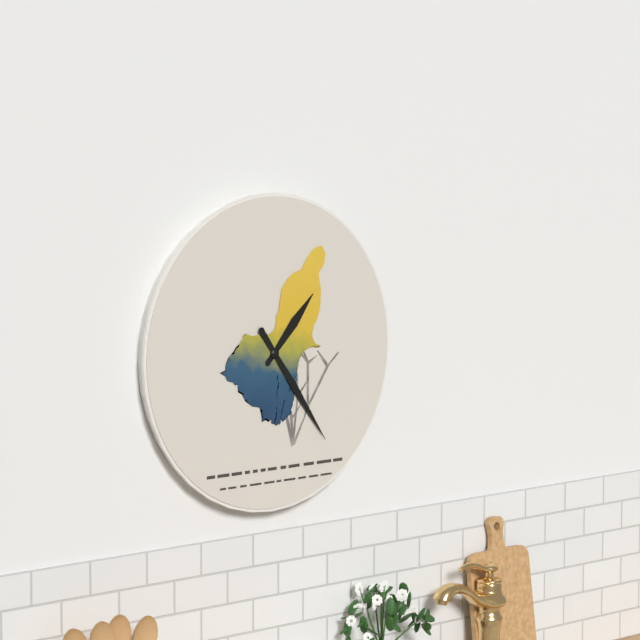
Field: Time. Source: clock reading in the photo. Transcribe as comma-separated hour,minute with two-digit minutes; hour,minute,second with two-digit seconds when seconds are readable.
1,24
